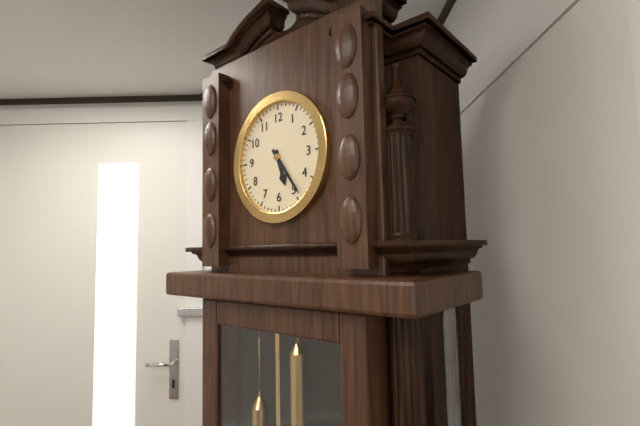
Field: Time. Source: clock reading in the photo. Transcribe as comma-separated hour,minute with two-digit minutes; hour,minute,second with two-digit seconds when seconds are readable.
5,24
